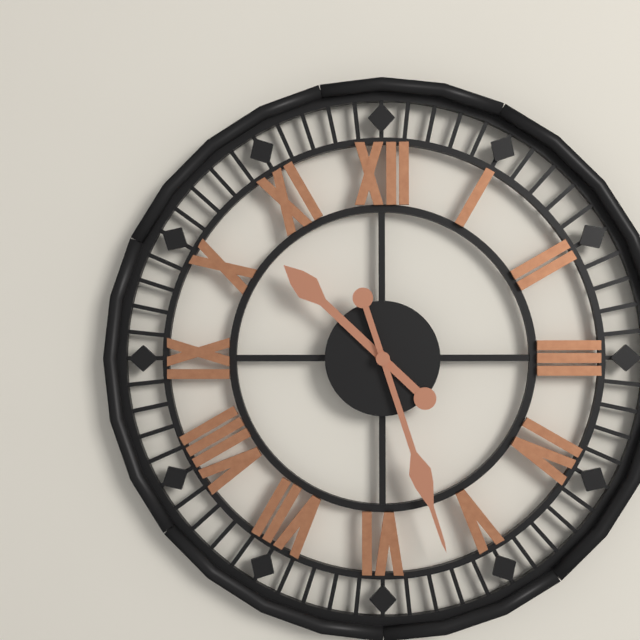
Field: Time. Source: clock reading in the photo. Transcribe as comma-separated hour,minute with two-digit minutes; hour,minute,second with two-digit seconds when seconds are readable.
10,27
